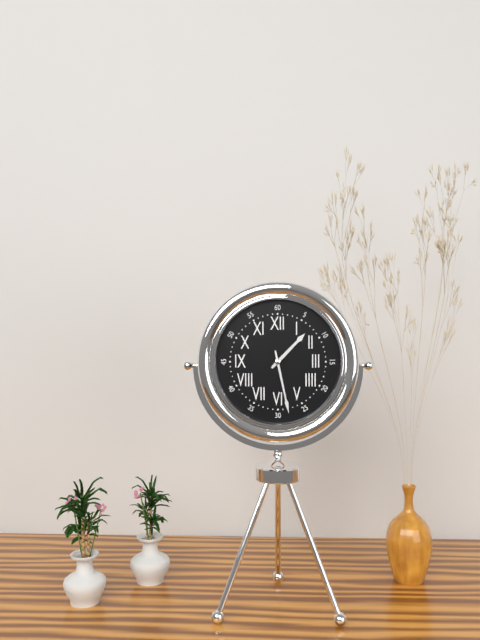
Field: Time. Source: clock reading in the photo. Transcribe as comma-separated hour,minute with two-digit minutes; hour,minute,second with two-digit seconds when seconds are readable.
1,28
